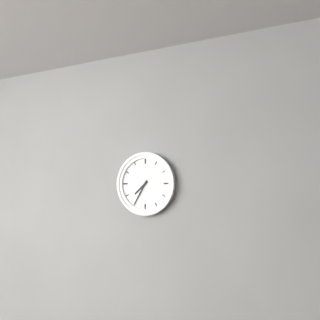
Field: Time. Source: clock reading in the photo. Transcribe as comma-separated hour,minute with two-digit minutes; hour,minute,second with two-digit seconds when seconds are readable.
7,35
